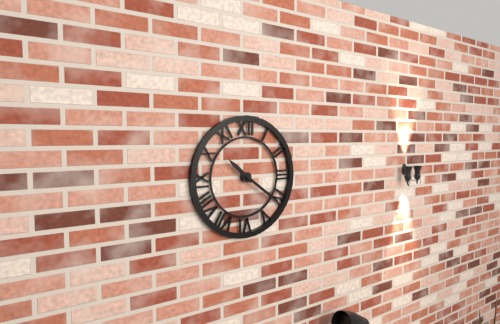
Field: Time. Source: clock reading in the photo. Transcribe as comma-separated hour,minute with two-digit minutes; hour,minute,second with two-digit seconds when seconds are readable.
10,21
